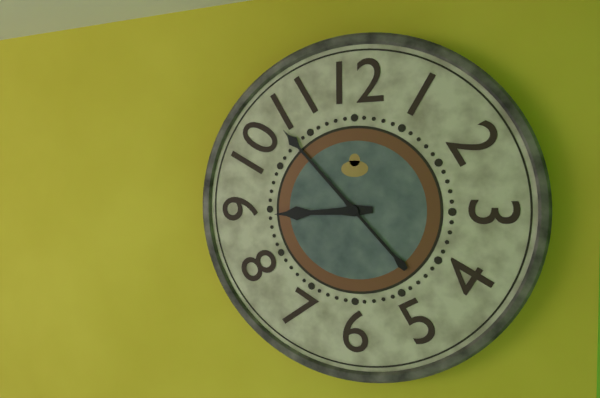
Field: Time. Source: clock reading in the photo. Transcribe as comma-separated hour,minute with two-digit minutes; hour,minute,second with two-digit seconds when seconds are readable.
8,53
